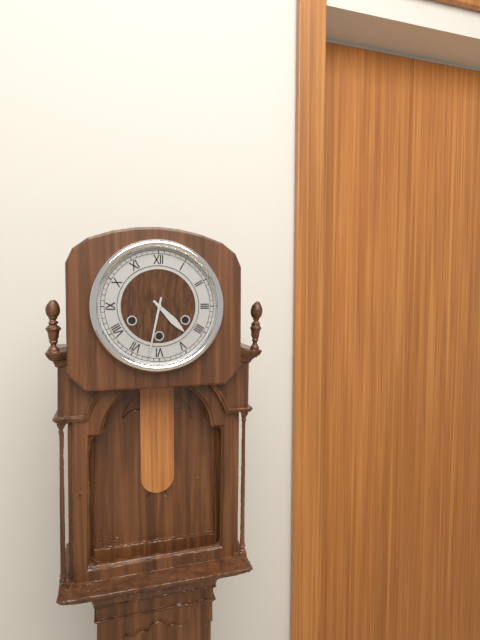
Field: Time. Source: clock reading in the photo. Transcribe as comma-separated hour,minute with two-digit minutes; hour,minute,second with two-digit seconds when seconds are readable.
4,32
